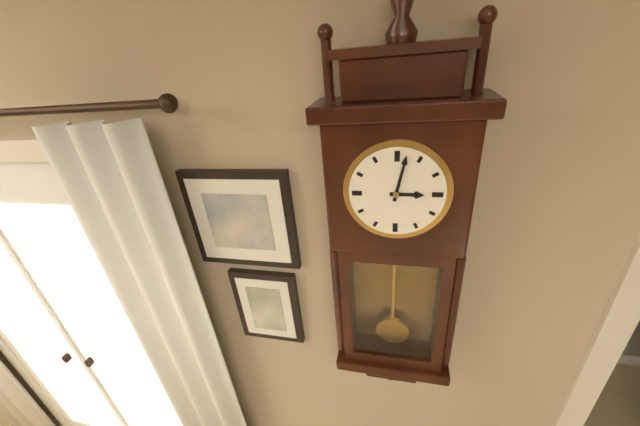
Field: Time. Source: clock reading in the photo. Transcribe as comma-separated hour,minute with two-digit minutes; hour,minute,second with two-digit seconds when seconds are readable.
3,02
